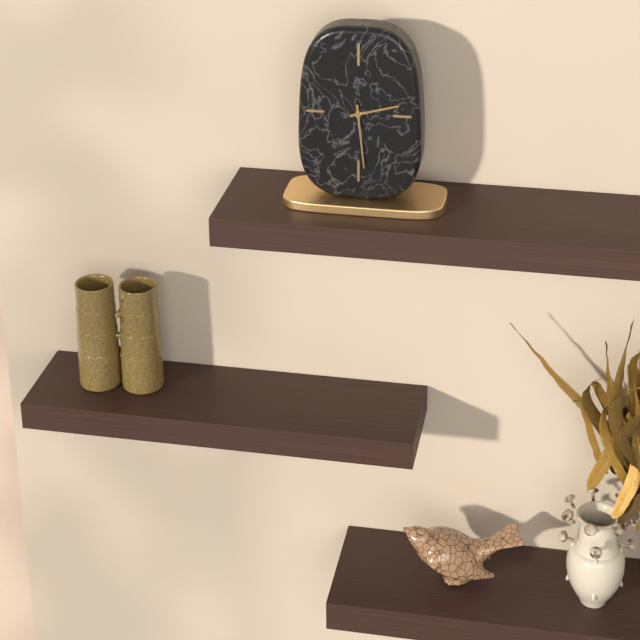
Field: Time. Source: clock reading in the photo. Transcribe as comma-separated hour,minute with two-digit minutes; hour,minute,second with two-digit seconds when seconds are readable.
2,29
